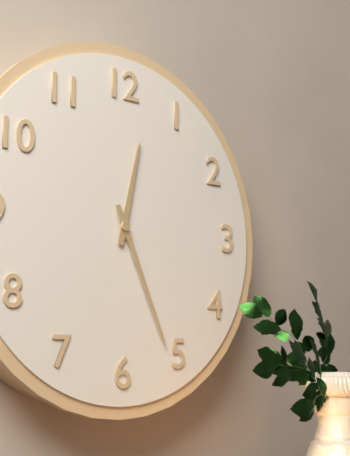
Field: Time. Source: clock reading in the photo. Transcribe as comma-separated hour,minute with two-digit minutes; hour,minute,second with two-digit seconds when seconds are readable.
12,26
